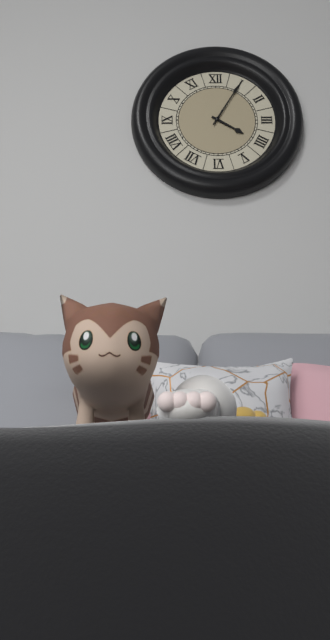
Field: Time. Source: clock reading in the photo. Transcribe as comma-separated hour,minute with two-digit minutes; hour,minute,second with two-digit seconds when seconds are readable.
4,05
